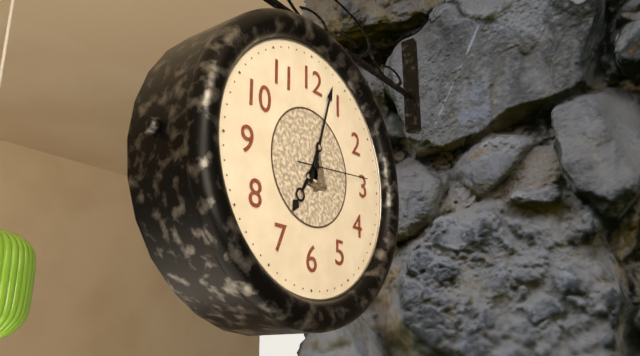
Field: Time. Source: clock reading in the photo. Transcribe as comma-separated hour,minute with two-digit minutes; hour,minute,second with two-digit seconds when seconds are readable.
7,03,14
